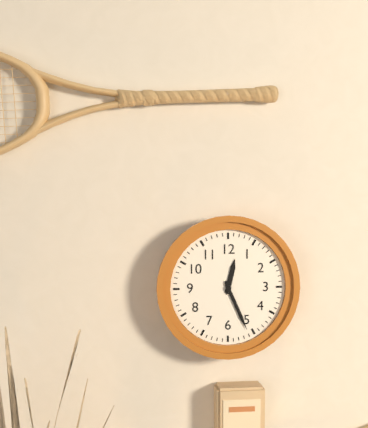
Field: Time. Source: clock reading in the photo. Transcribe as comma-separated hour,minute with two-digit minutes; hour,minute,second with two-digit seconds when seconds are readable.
12,26
